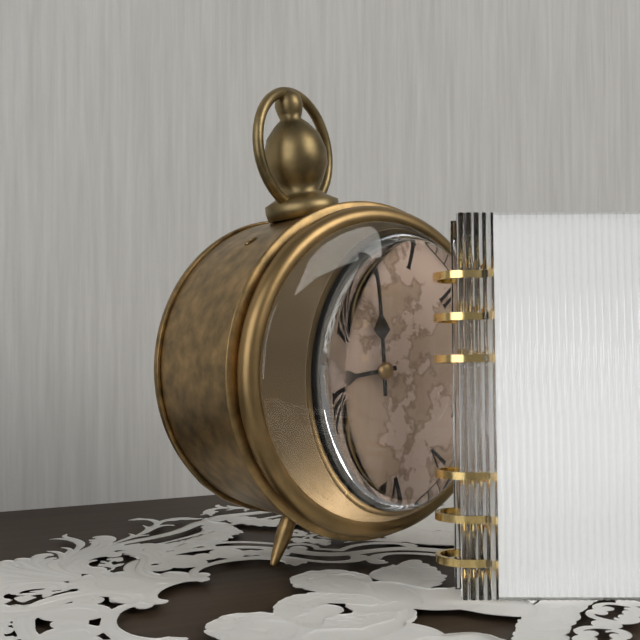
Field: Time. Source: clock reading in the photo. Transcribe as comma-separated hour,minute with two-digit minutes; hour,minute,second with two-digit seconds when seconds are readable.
9,01
